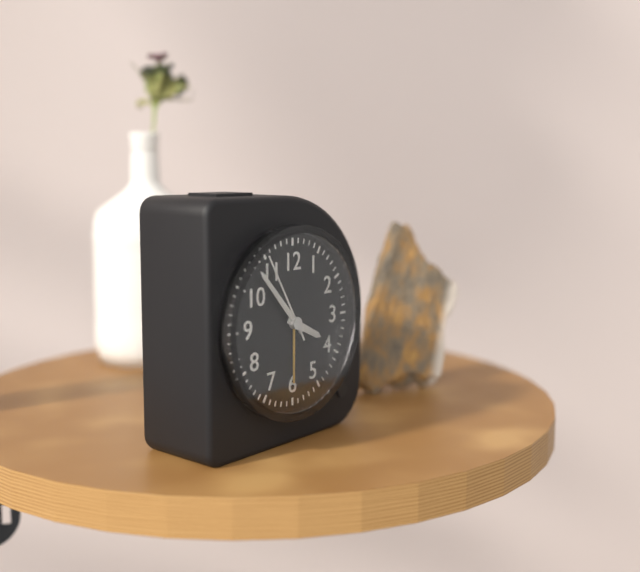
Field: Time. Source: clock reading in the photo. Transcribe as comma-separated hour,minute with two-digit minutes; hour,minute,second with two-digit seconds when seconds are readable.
3,53,55
